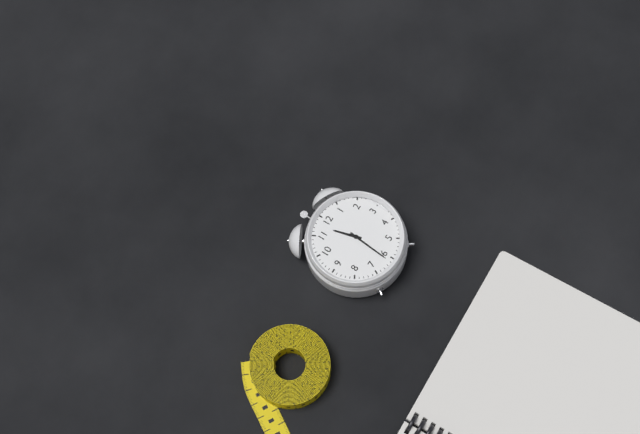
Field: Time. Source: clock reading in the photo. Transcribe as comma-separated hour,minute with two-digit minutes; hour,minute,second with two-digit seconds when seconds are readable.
11,31
